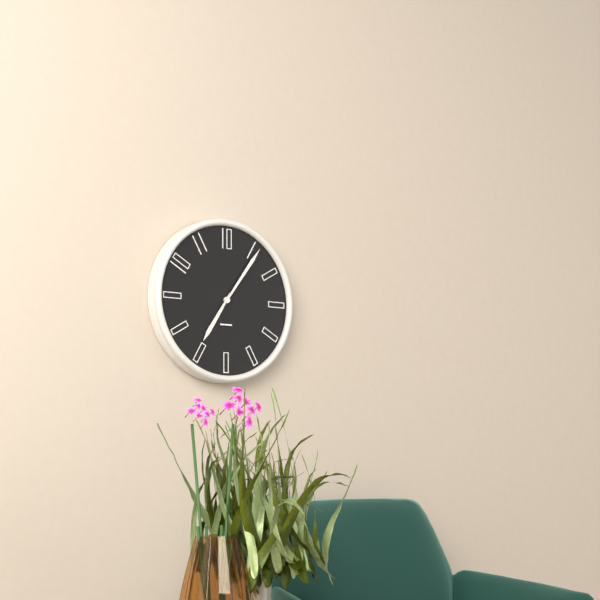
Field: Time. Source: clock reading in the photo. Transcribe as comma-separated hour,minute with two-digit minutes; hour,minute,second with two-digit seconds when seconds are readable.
7,06
